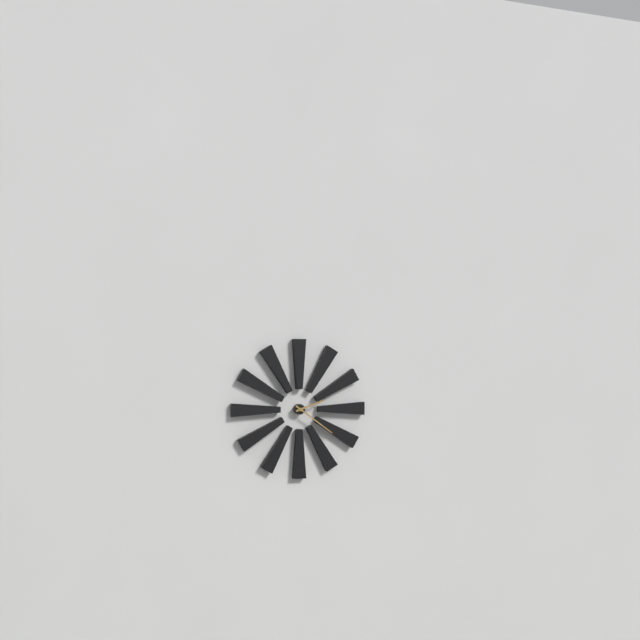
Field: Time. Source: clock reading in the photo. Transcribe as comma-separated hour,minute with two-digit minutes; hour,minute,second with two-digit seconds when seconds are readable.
2,21
